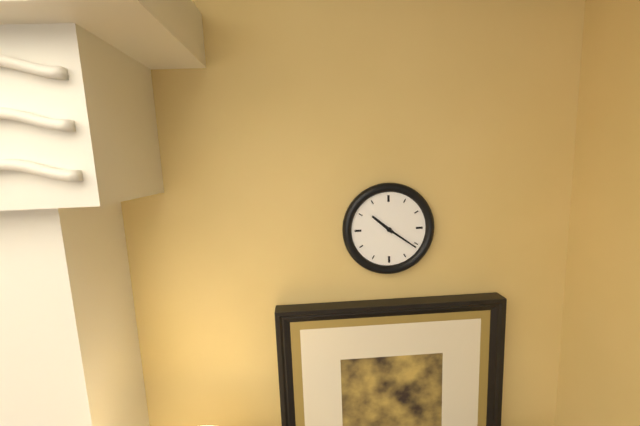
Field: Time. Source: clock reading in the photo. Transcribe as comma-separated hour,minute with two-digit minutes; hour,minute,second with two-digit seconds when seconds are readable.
10,21
